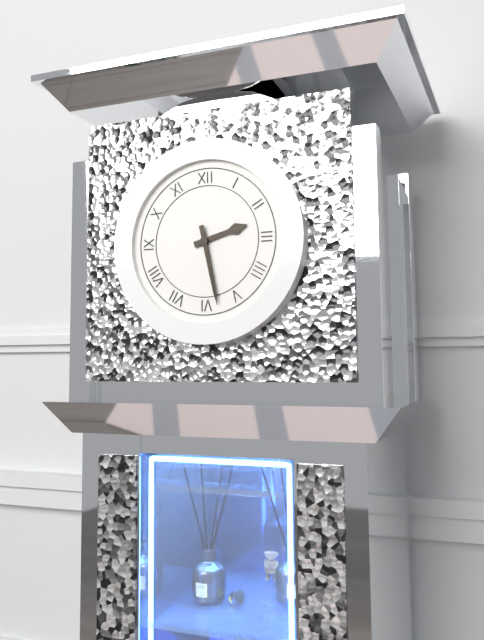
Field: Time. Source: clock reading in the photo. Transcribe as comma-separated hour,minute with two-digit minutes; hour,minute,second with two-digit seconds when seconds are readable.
2,28
